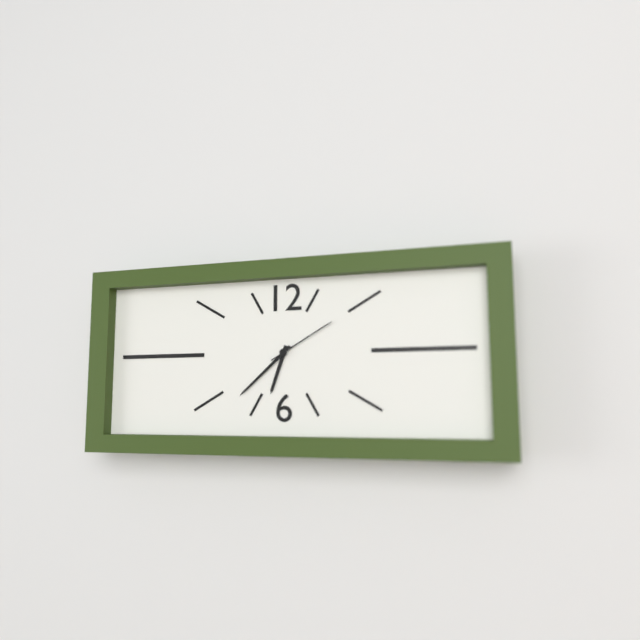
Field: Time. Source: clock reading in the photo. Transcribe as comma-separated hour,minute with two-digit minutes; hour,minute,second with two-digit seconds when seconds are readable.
6,38,10
